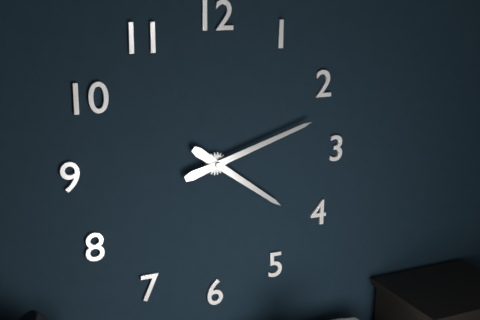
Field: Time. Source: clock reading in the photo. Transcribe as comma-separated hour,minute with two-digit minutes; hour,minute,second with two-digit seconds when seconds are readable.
4,12
